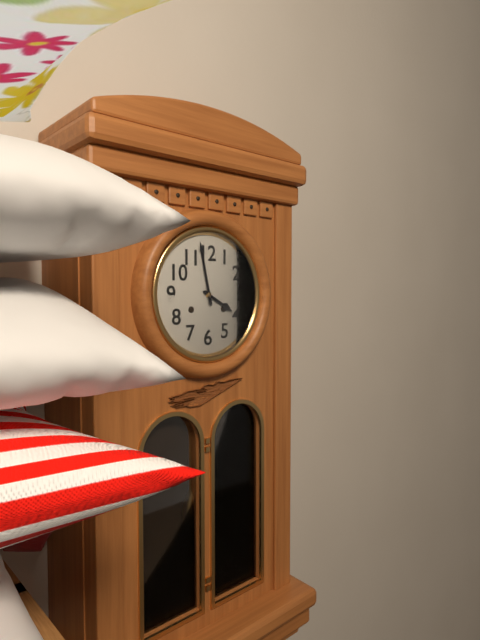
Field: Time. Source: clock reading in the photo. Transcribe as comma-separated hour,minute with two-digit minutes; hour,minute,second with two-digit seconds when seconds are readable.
3,58
